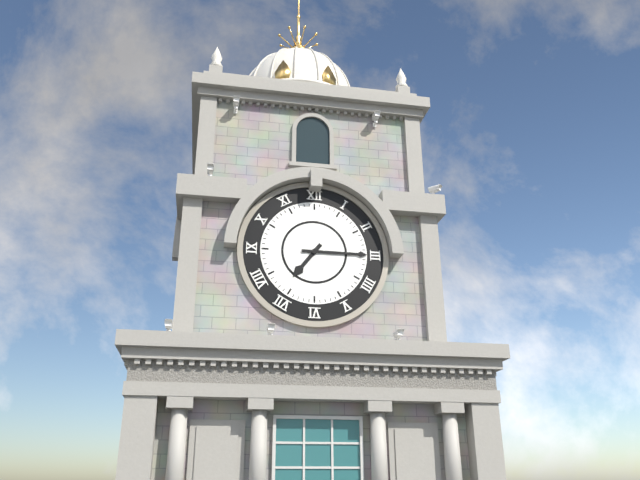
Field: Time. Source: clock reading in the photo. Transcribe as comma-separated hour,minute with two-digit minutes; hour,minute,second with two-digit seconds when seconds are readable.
7,15
